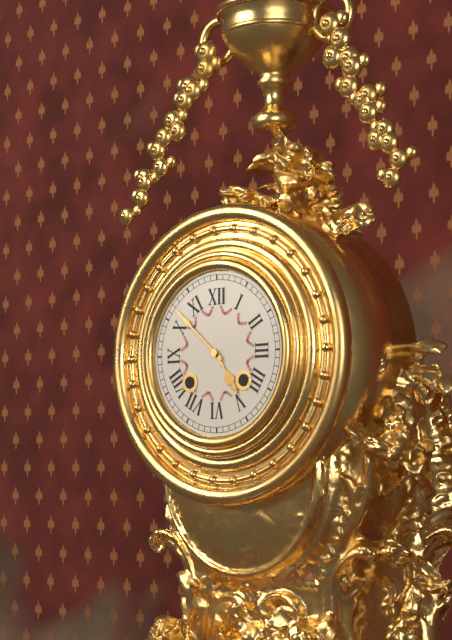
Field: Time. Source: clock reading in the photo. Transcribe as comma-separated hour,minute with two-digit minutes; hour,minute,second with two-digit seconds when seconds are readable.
4,52
